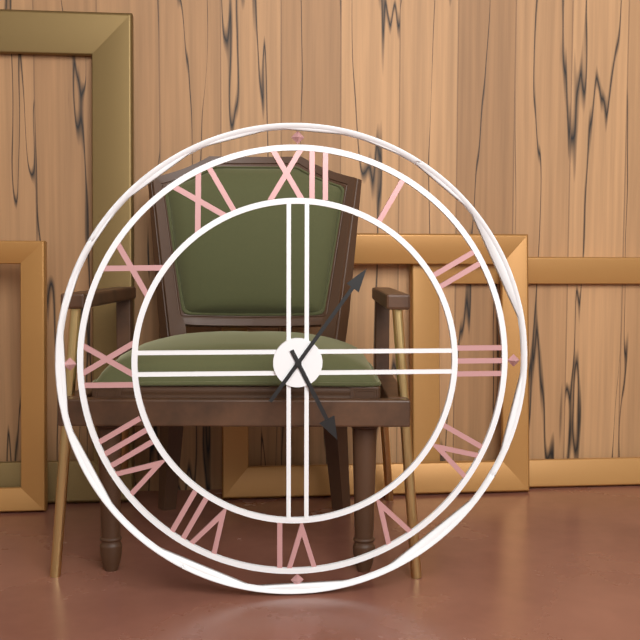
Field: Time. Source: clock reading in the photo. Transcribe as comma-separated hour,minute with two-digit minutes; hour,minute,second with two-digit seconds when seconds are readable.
5,06
